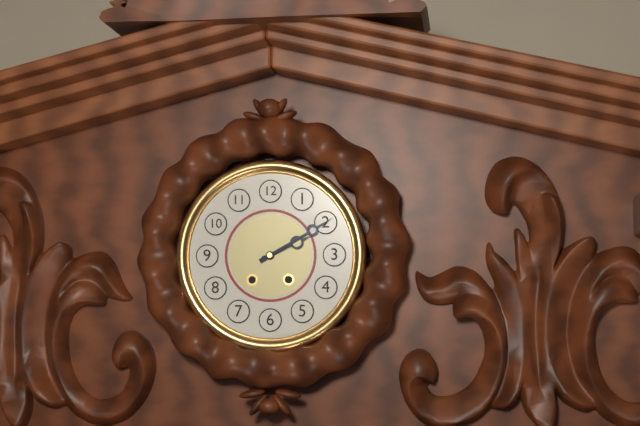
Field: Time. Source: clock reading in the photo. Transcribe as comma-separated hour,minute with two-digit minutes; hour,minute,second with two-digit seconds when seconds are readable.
2,10
